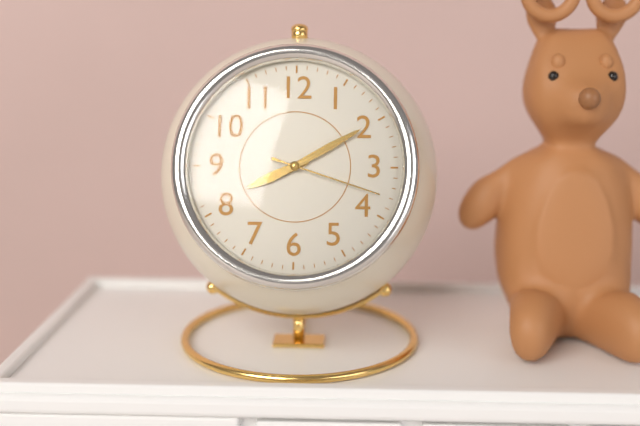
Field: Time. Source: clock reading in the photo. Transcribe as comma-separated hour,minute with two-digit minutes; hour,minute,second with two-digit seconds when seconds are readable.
8,10,18
